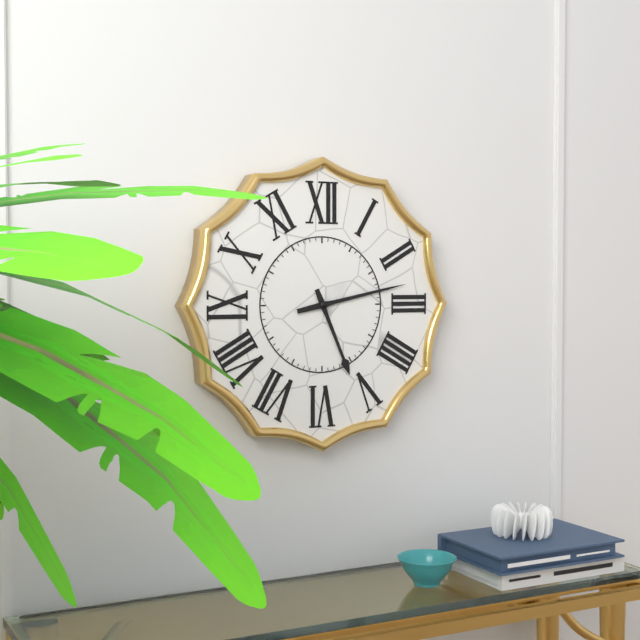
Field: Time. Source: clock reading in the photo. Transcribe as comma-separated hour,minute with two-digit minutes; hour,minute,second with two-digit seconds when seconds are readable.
5,13
